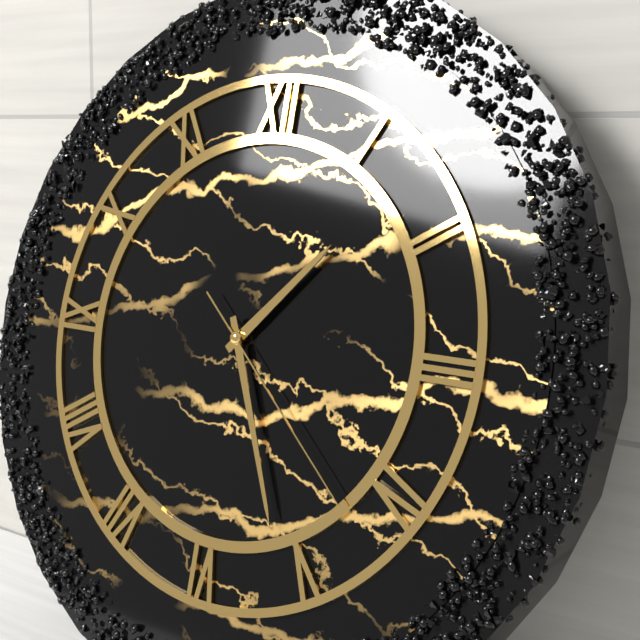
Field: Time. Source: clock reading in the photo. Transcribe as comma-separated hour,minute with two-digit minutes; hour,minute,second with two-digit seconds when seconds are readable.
1,26,22
